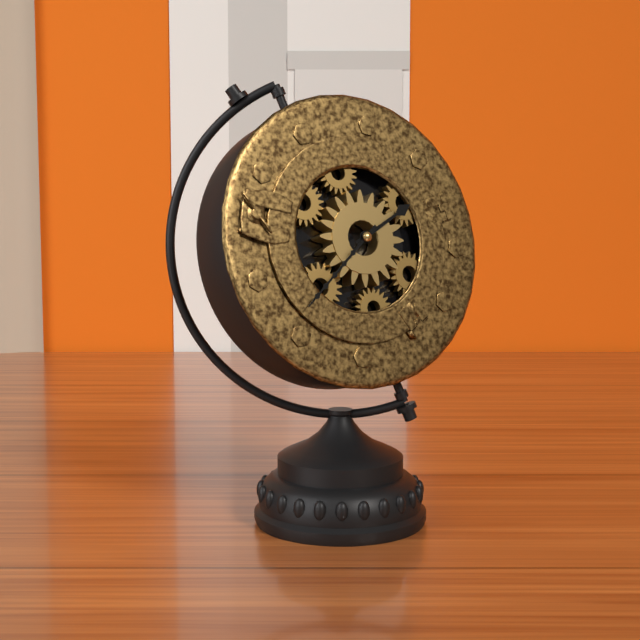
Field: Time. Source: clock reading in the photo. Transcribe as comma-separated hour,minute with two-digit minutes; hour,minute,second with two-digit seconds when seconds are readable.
1,36
